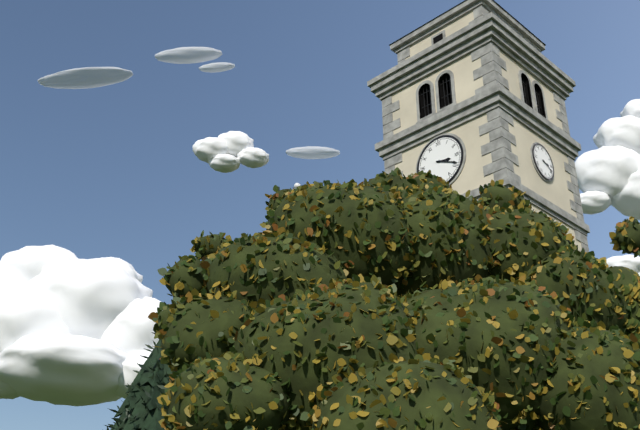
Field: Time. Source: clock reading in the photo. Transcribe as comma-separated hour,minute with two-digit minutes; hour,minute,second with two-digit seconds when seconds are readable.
3,19
